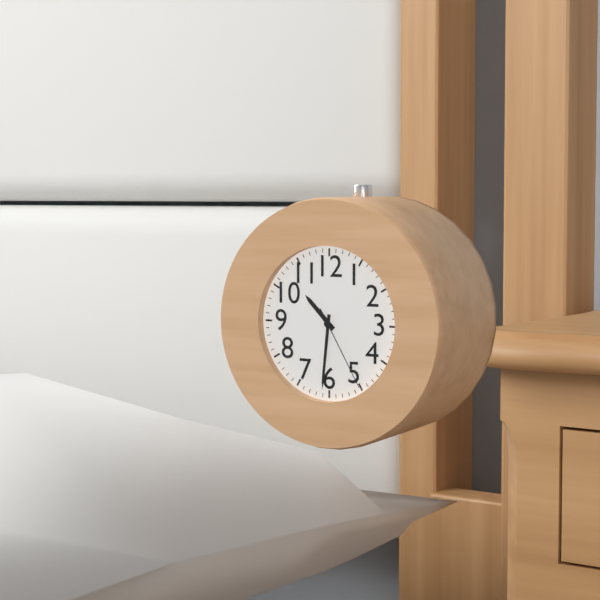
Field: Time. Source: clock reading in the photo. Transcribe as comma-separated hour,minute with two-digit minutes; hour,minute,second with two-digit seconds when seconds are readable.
10,31,25
